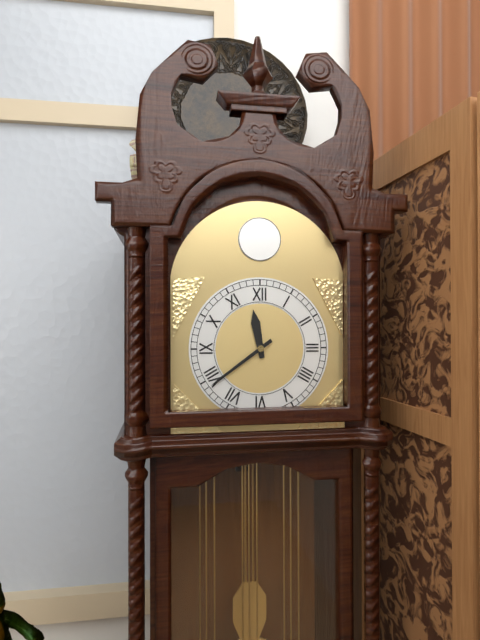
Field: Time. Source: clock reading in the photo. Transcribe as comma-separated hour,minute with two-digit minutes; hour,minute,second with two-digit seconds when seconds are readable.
11,39
